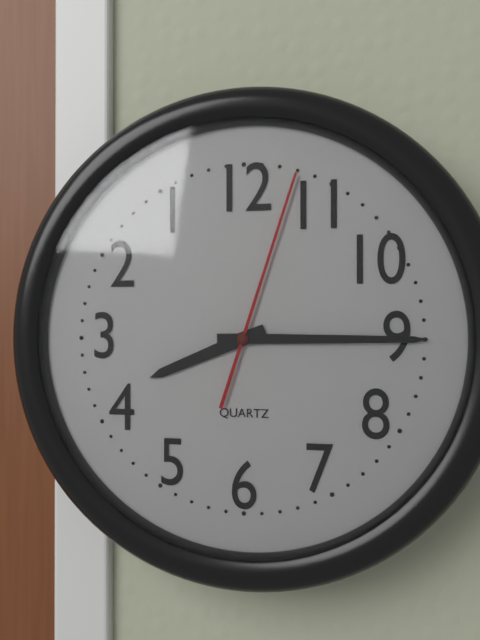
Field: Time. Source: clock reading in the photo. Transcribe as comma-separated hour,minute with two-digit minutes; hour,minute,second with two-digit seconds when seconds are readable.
8,15,03
